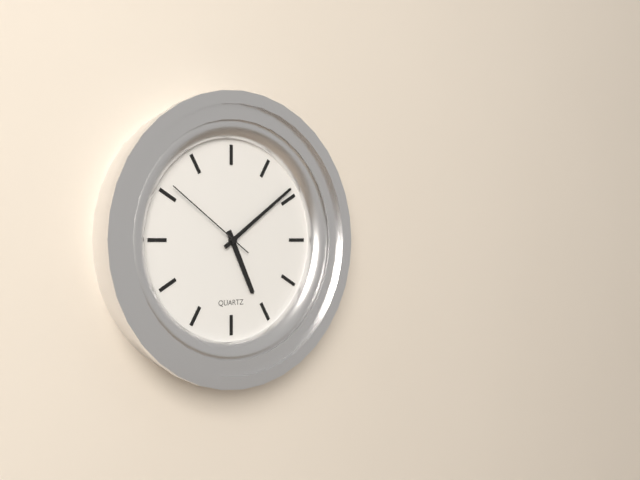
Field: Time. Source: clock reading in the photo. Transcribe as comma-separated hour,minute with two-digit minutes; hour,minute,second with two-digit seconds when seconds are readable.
5,09,51
